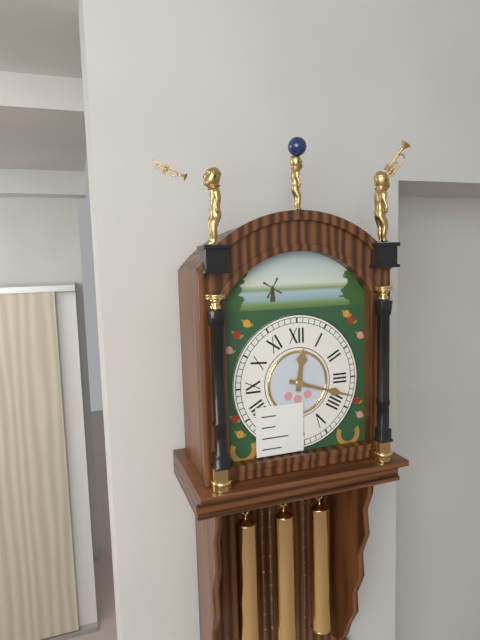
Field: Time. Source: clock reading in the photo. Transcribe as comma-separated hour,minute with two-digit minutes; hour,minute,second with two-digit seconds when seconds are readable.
12,18
